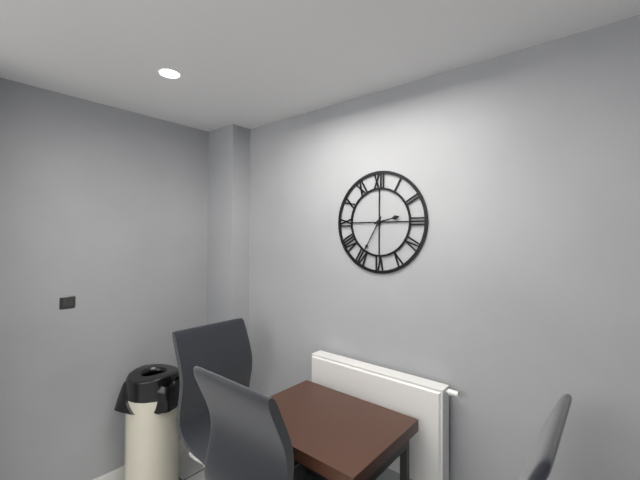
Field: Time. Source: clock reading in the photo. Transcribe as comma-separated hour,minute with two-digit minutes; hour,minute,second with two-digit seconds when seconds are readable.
2,35
